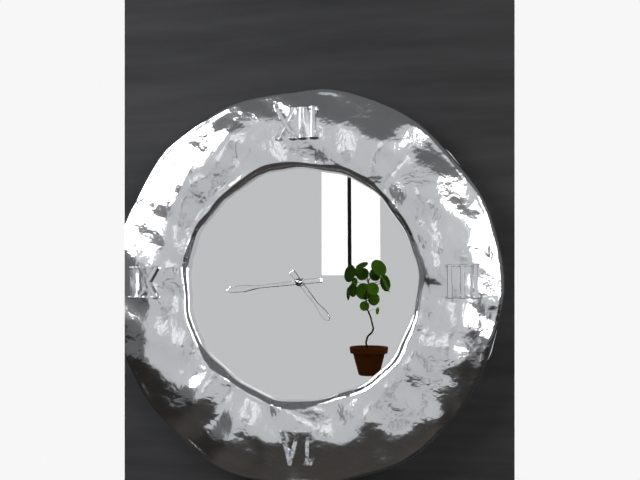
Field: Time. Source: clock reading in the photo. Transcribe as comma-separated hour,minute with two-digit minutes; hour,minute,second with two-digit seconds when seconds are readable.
4,44
